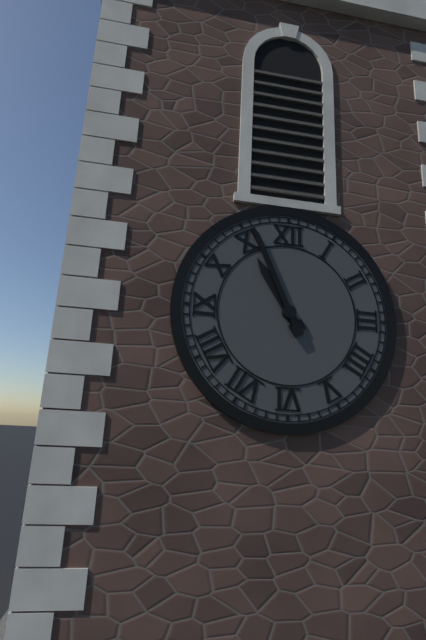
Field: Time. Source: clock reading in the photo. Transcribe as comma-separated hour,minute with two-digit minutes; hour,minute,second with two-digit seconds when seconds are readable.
10,56
